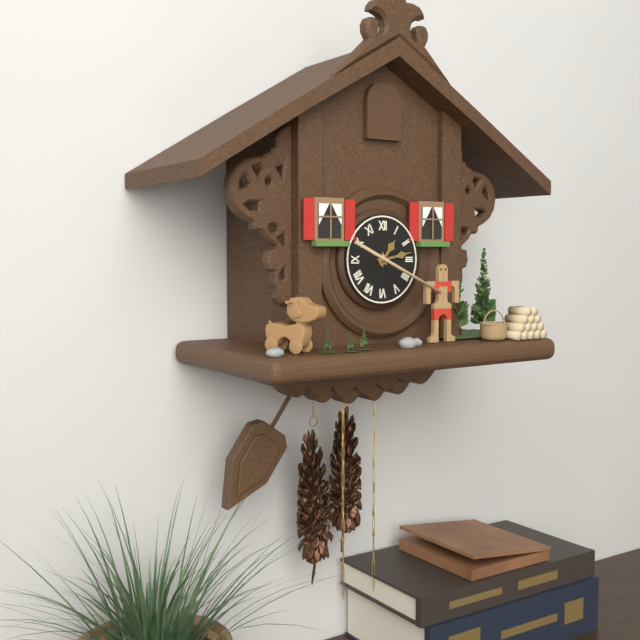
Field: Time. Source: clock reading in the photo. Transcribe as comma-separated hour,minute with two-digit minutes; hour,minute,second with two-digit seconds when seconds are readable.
1,13
